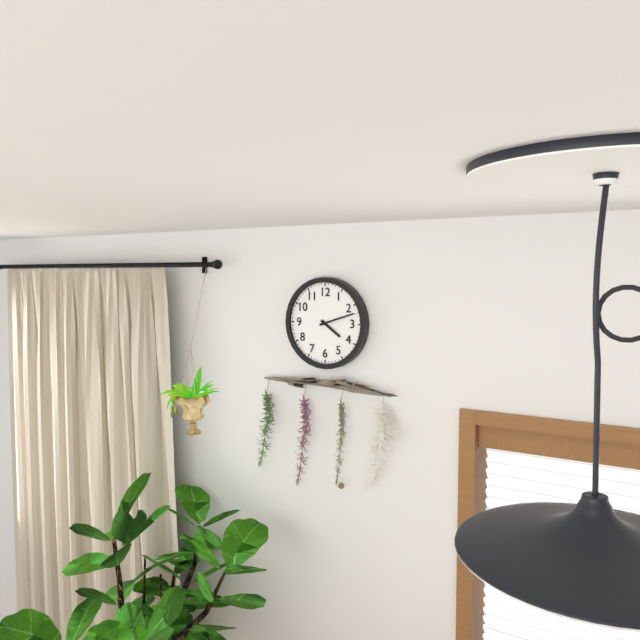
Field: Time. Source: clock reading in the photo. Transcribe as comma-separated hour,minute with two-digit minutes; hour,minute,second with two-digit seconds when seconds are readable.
4,12
